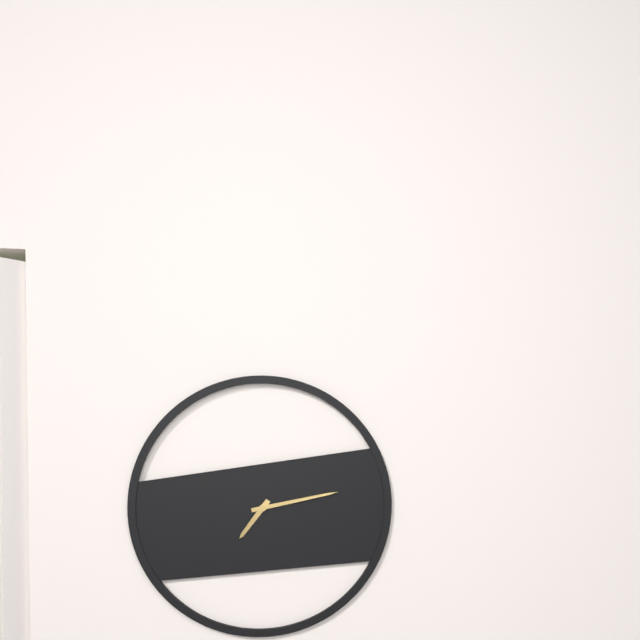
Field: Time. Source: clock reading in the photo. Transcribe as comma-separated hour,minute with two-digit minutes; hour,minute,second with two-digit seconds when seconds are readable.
7,13
